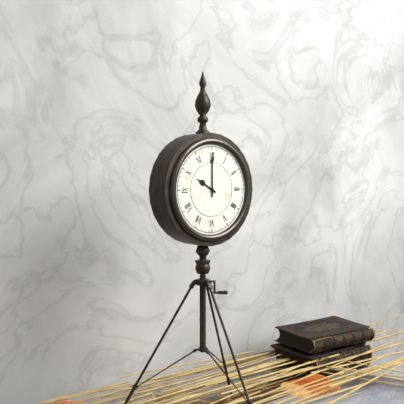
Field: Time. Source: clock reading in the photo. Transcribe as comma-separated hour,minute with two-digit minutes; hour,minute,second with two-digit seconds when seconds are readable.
10,00
